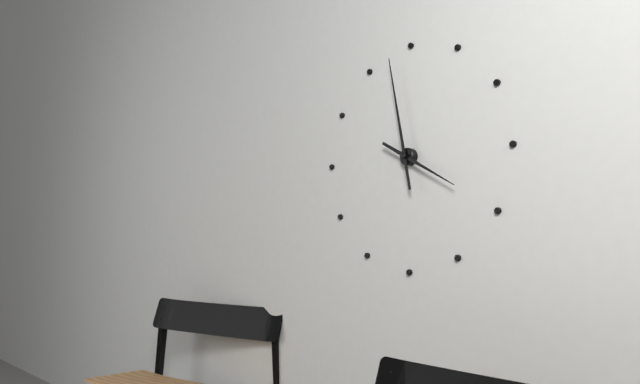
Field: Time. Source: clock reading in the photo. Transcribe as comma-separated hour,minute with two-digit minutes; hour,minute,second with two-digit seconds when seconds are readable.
3,58
